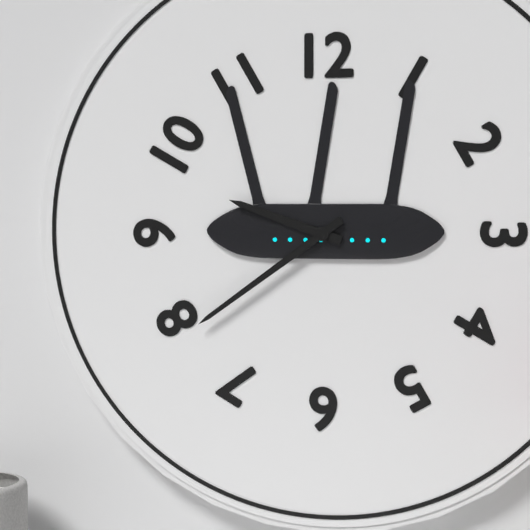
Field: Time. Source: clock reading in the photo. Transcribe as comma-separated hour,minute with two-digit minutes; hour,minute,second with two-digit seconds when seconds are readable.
9,39
